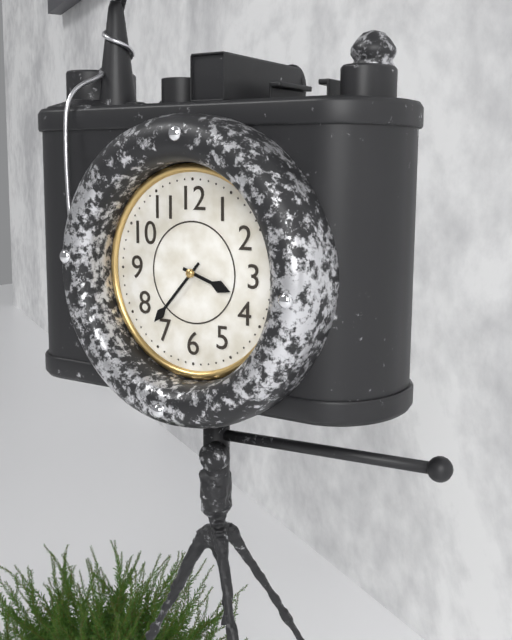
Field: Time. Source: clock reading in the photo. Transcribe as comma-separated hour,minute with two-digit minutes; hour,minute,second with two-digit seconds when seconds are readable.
3,37
